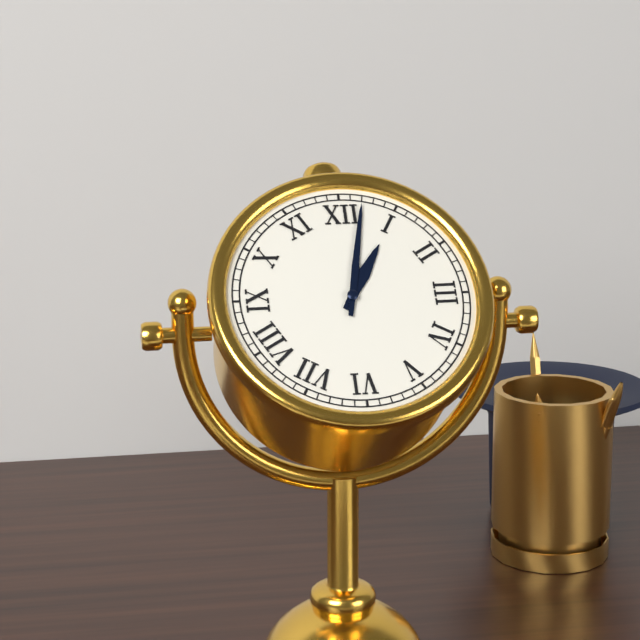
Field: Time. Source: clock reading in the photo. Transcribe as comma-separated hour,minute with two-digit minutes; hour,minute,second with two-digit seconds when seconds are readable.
1,02
